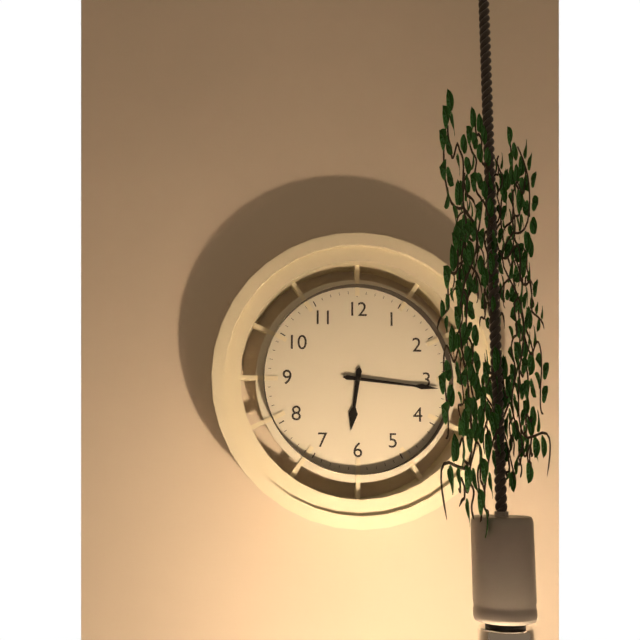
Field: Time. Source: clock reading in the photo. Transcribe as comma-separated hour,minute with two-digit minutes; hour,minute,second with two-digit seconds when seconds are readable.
6,16
